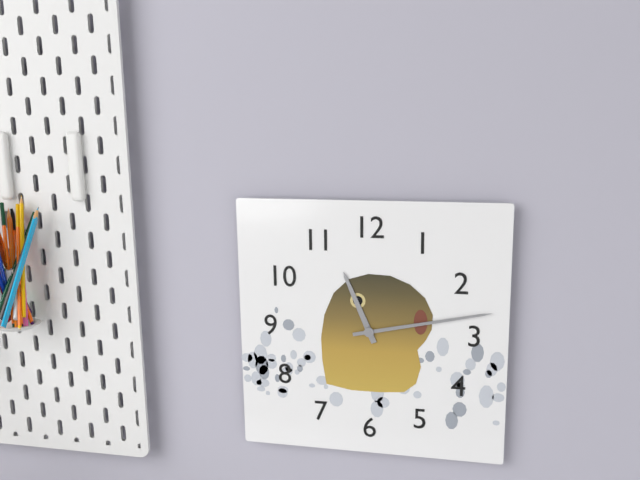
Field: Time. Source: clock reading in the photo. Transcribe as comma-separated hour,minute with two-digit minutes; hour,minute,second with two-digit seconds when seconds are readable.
11,13
